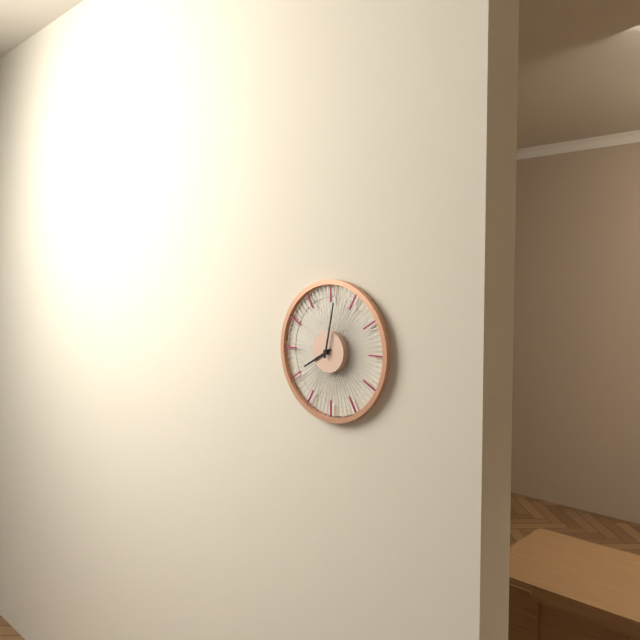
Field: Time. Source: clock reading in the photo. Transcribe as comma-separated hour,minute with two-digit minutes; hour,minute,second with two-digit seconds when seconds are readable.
8,02
